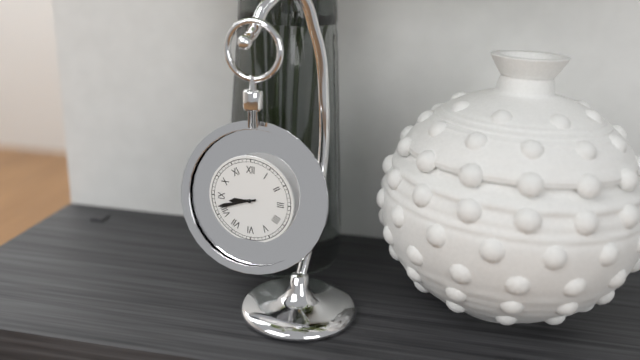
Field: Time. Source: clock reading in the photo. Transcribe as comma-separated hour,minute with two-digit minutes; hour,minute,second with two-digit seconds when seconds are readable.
8,42
